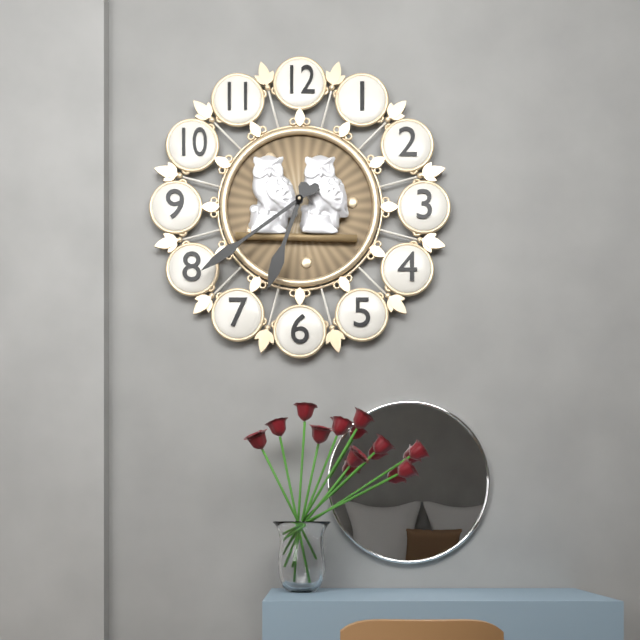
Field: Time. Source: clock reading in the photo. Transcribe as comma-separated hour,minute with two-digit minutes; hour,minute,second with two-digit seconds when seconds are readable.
6,39
